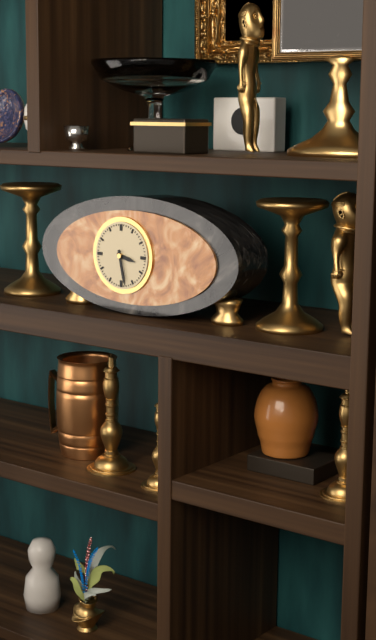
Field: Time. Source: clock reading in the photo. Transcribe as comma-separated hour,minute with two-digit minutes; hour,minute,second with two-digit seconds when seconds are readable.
3,28
